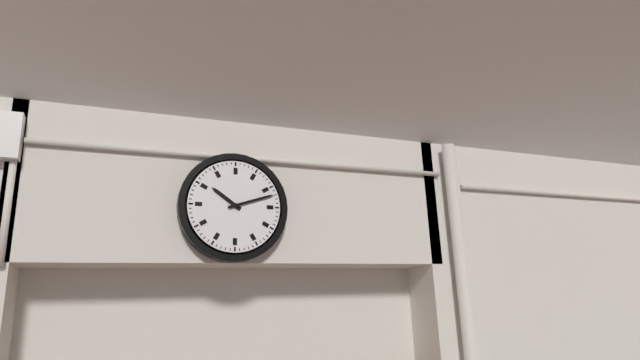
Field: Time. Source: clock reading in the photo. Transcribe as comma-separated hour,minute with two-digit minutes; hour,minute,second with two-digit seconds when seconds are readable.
10,12
